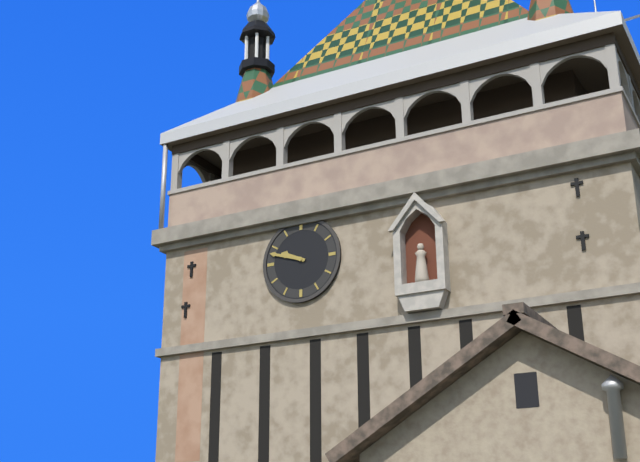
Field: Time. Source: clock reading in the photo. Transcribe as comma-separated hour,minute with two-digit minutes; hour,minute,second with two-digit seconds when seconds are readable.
9,48
